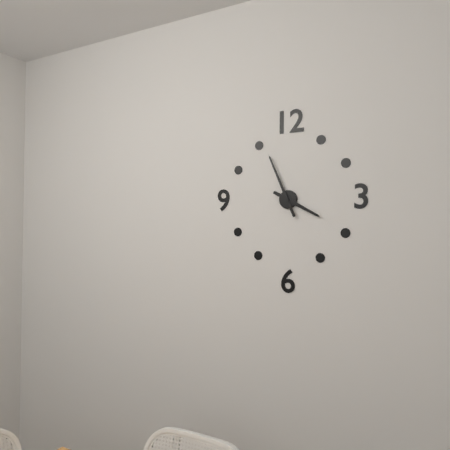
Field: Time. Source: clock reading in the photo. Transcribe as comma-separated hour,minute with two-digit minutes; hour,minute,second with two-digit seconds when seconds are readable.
3,56
